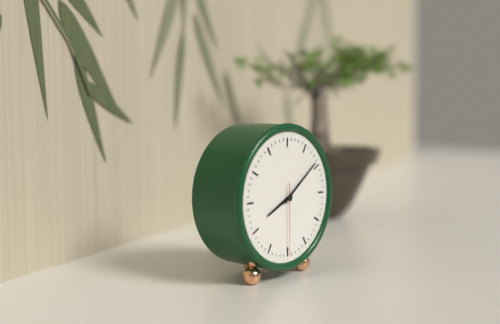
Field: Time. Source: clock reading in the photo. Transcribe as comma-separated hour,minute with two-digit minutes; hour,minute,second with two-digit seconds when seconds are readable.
8,09,30
